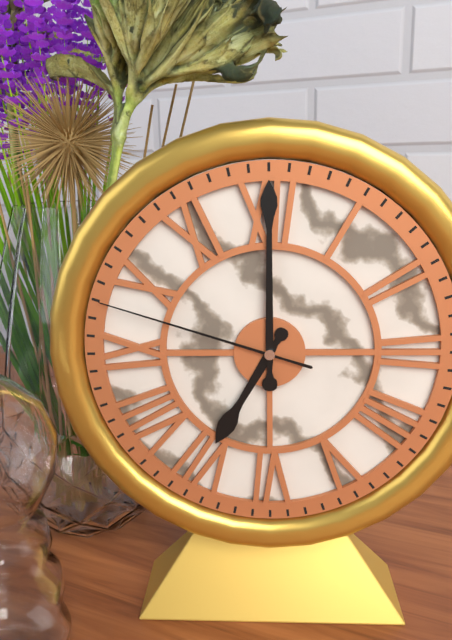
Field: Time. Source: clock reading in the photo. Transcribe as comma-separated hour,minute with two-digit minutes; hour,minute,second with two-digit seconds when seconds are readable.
7,00,48
